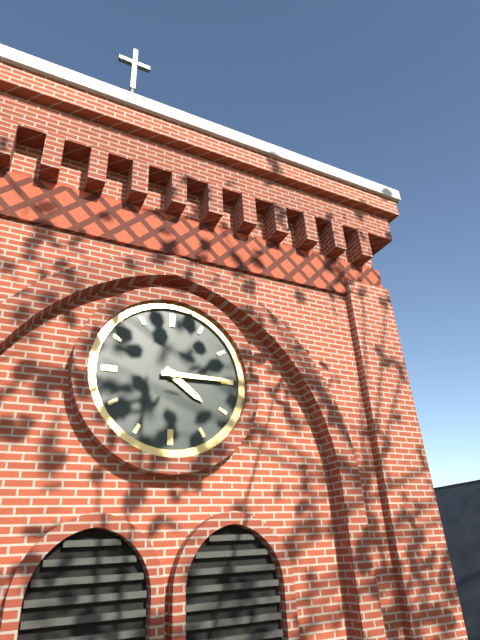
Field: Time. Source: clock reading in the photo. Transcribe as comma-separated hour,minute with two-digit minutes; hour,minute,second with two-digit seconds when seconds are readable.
4,15
